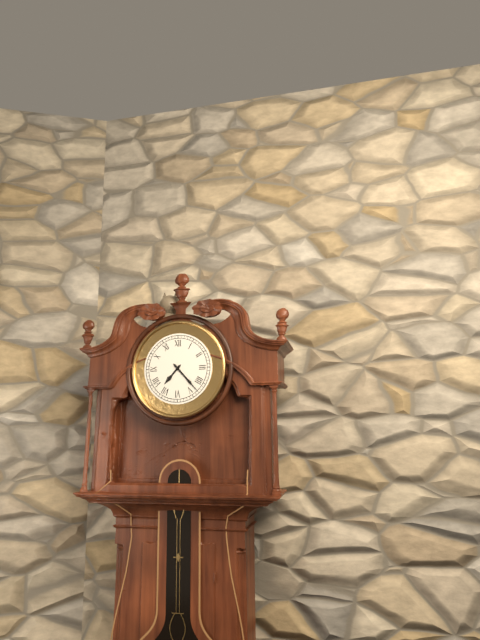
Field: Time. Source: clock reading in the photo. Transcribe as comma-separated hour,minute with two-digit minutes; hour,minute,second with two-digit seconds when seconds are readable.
7,23
